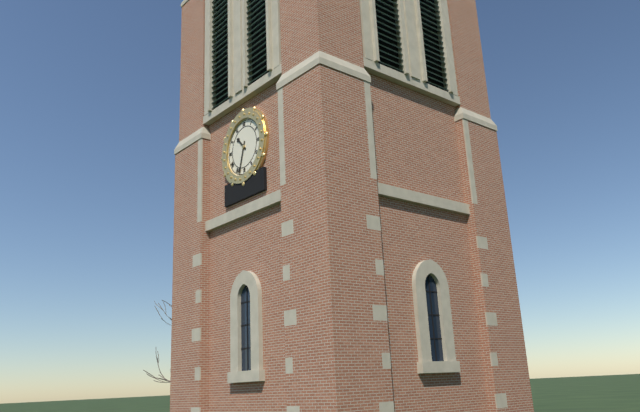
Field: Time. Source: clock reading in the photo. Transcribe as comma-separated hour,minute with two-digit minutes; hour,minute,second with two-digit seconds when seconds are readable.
10,33
